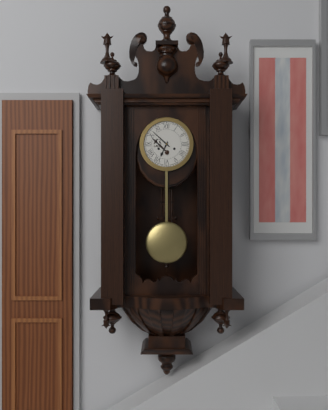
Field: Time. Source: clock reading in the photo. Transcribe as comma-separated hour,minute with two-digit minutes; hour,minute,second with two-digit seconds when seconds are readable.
6,52
